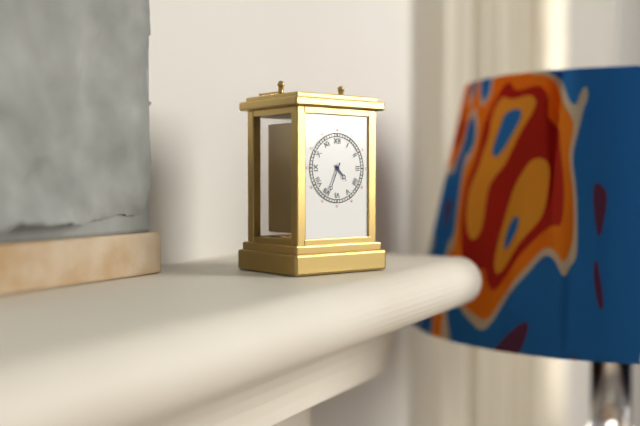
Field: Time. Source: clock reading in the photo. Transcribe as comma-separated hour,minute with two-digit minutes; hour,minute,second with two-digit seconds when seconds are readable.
4,34
